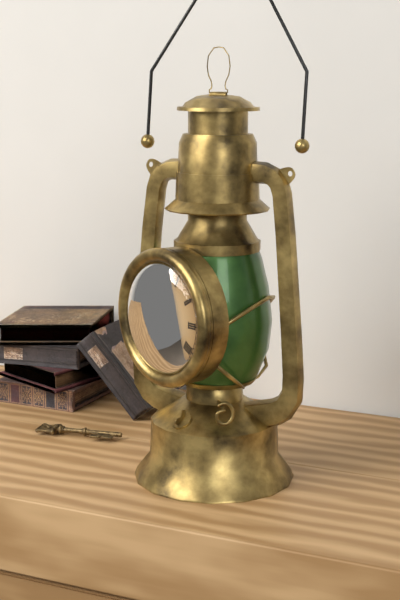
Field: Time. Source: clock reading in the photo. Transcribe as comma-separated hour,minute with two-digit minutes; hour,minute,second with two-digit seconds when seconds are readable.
4,56
